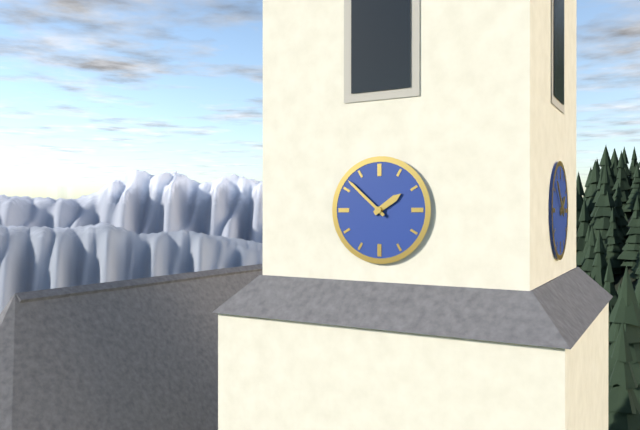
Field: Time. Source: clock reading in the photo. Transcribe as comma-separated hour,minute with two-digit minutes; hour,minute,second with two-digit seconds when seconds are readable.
1,52
